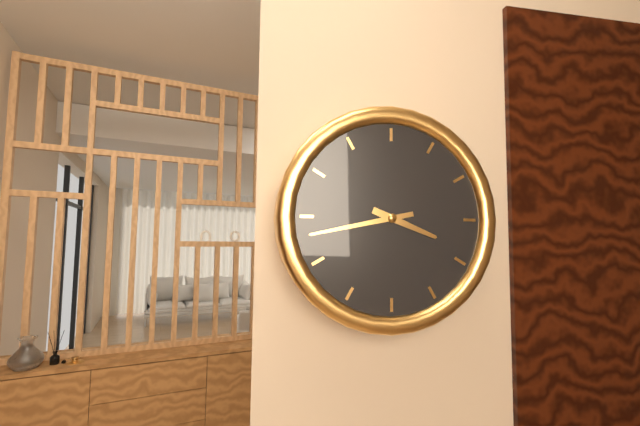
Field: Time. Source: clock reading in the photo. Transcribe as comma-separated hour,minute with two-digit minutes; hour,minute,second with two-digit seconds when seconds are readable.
3,43
